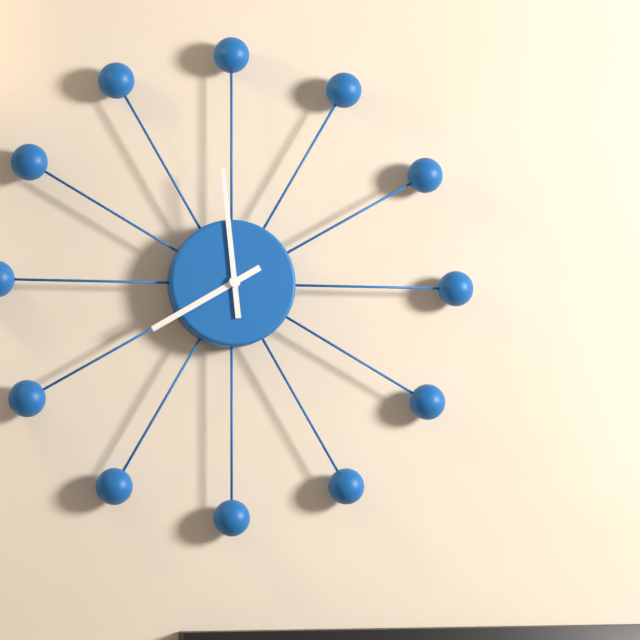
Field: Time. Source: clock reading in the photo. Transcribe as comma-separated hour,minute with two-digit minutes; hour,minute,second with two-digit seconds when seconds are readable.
7,59
